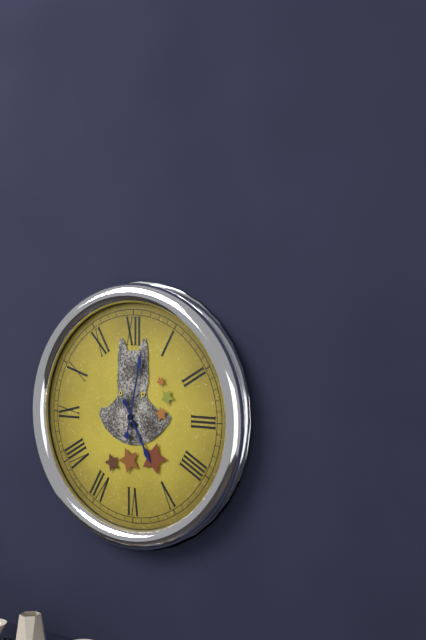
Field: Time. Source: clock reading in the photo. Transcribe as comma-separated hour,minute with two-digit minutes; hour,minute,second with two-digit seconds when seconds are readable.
5,02
